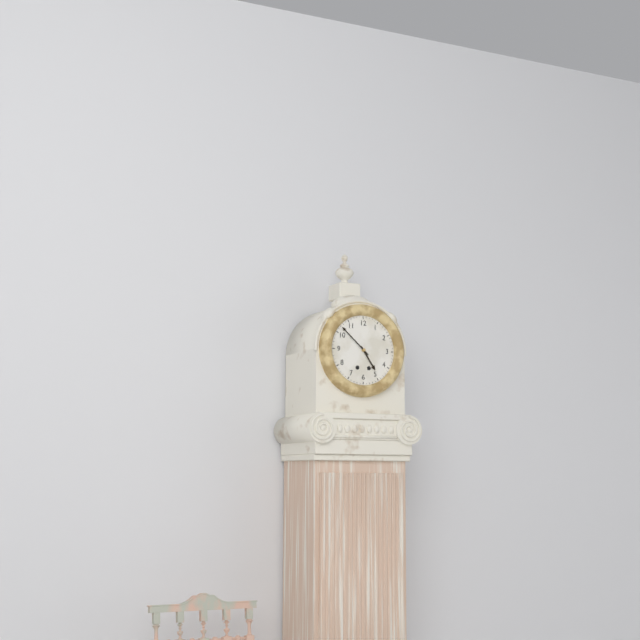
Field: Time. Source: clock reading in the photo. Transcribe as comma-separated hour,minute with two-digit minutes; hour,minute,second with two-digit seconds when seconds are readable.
4,52
